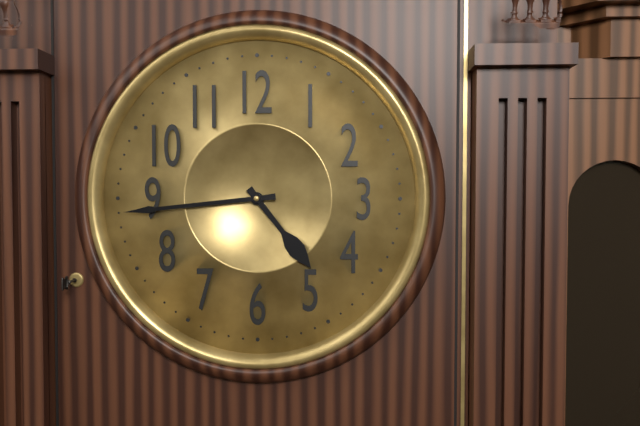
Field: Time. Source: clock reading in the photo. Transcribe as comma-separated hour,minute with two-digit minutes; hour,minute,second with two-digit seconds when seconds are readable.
4,44
